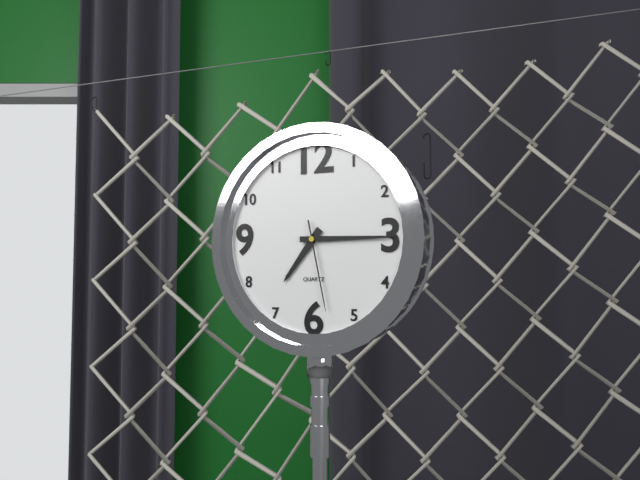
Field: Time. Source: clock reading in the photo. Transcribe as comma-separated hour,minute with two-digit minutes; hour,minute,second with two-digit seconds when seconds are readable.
7,15,28
